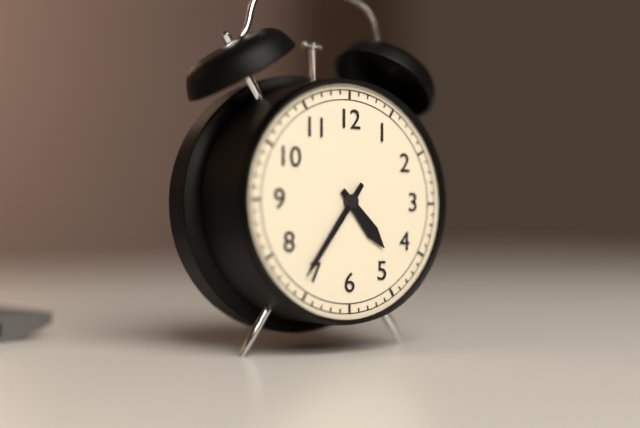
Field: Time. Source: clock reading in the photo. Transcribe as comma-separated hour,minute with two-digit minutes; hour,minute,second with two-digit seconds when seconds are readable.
4,36
